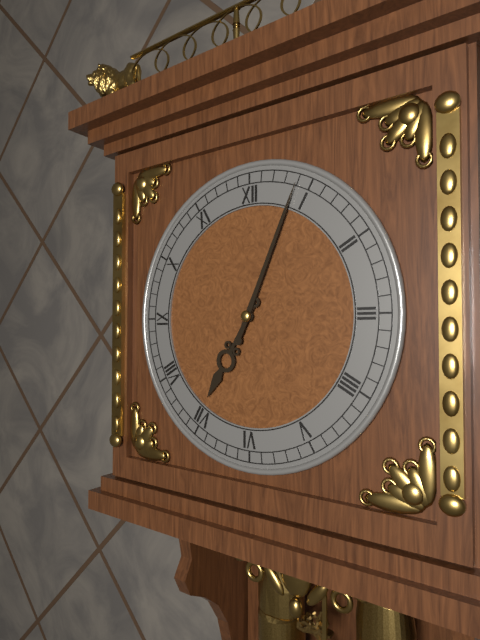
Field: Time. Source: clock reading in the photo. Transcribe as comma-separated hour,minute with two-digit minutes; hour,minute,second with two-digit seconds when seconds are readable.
7,04
